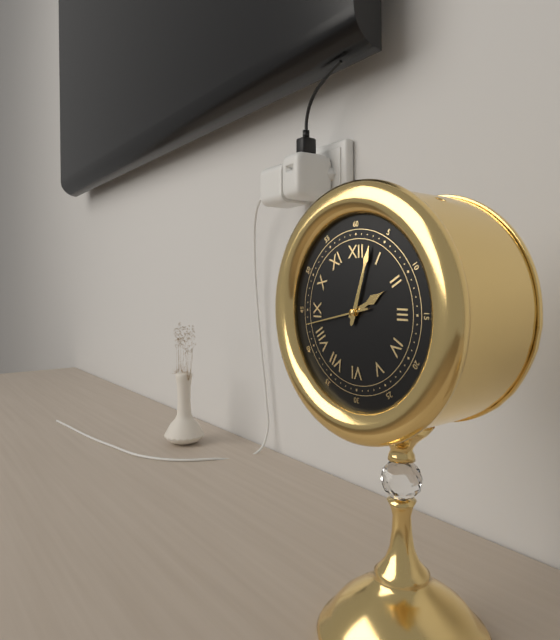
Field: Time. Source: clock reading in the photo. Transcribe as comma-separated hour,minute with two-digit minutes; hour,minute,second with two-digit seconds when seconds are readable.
2,03,43
